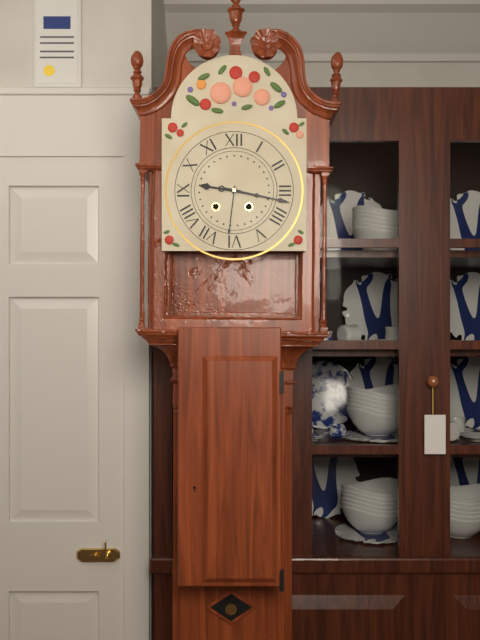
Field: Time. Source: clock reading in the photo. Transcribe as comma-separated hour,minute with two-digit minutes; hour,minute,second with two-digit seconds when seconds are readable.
9,17
